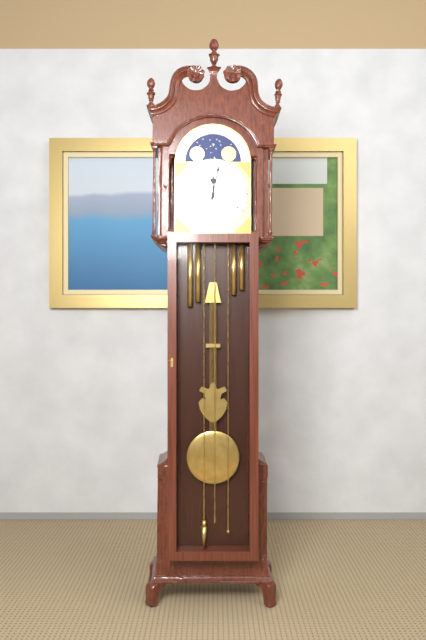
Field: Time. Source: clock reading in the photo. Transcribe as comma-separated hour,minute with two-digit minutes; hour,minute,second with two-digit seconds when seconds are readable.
12,02
